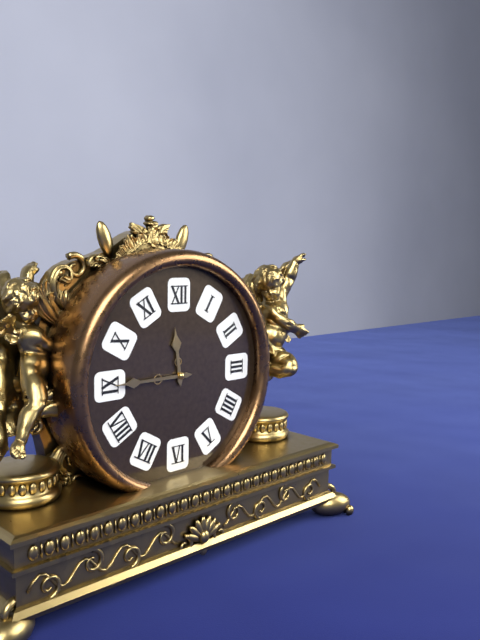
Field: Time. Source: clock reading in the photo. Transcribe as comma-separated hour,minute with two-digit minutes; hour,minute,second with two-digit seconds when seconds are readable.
11,45
